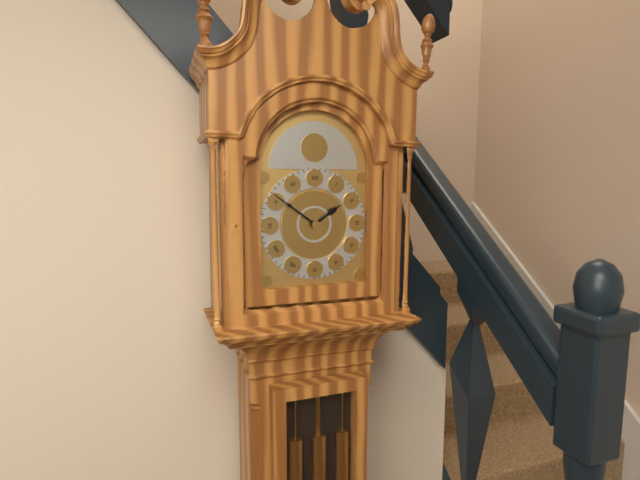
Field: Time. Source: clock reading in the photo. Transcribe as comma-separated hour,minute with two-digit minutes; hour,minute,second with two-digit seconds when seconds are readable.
1,51
